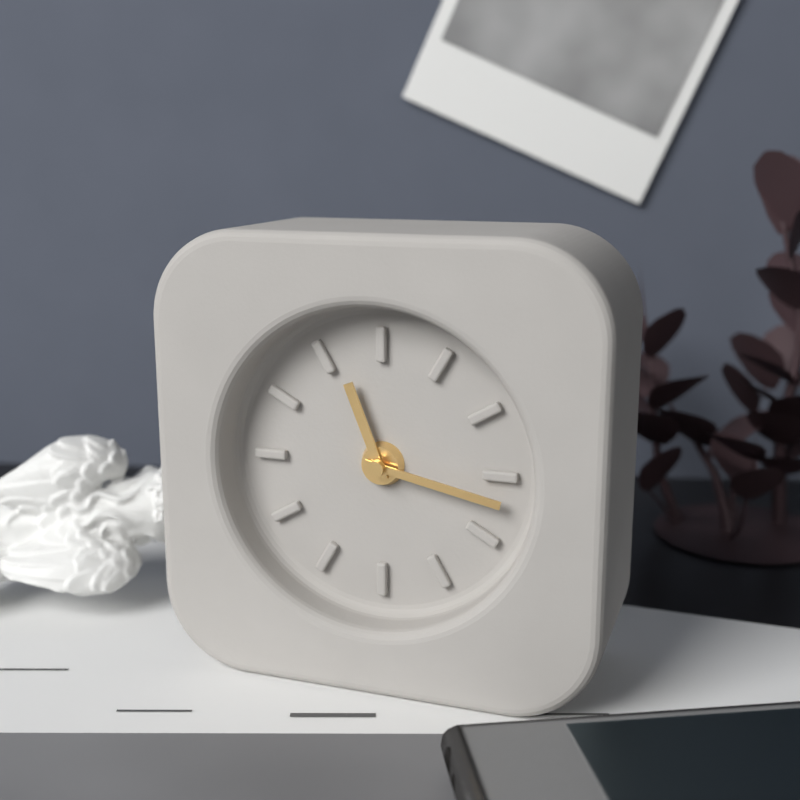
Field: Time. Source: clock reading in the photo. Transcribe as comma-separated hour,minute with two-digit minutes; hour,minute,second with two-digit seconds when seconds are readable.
11,17
